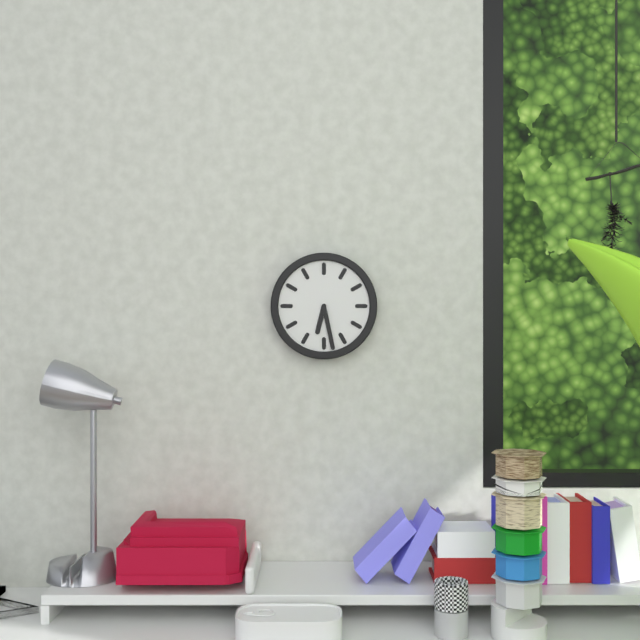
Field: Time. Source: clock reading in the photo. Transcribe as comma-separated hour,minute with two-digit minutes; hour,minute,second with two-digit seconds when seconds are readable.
6,28
